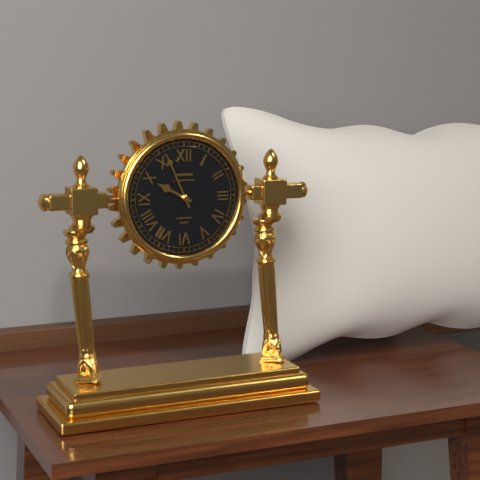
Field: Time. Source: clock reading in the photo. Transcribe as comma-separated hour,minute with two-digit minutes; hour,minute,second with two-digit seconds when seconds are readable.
9,56
